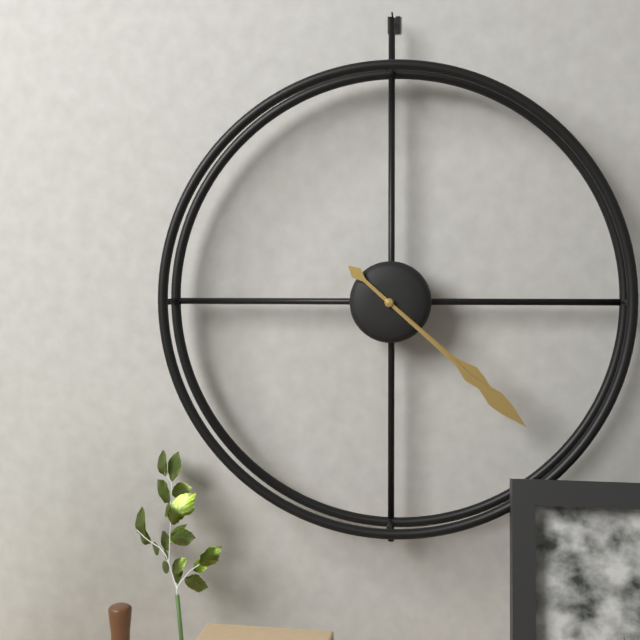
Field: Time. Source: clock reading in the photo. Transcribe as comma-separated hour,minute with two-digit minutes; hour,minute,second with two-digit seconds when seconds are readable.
4,22
